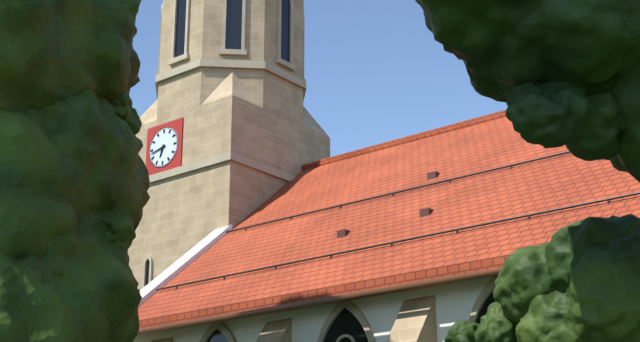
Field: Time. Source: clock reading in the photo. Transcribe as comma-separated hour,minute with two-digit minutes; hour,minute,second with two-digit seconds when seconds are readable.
6,43
